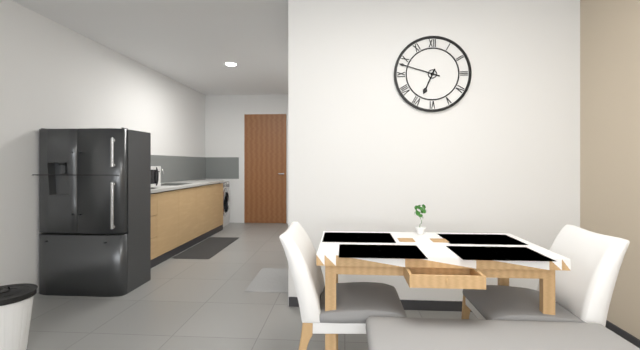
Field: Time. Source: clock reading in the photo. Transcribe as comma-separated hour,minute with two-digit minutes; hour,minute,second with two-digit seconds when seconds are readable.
6,48
